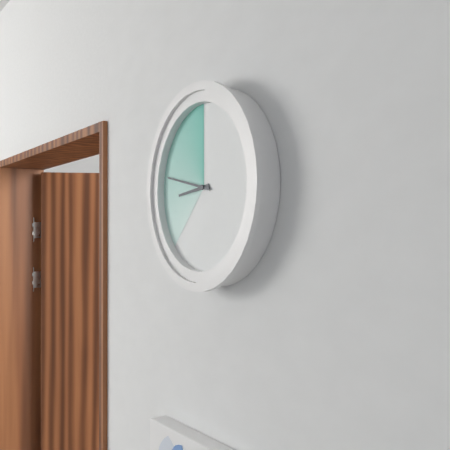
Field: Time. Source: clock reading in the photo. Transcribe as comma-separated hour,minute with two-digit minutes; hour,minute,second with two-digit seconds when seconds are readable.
8,47
